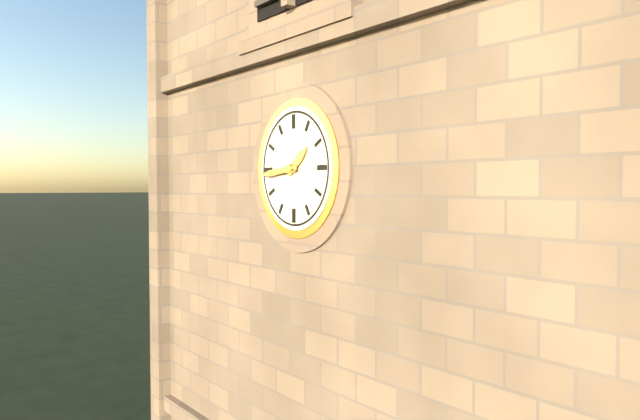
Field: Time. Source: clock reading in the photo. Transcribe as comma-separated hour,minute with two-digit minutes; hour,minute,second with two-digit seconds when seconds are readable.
1,44
